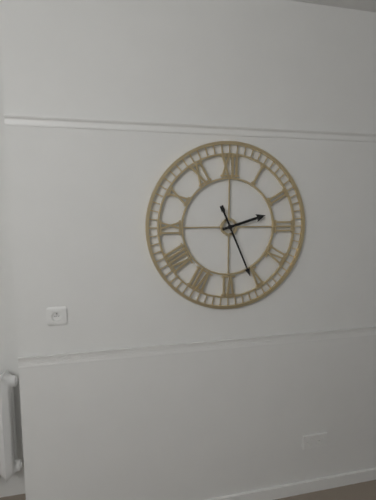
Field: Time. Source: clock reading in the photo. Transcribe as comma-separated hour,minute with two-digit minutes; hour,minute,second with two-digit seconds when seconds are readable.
2,26
